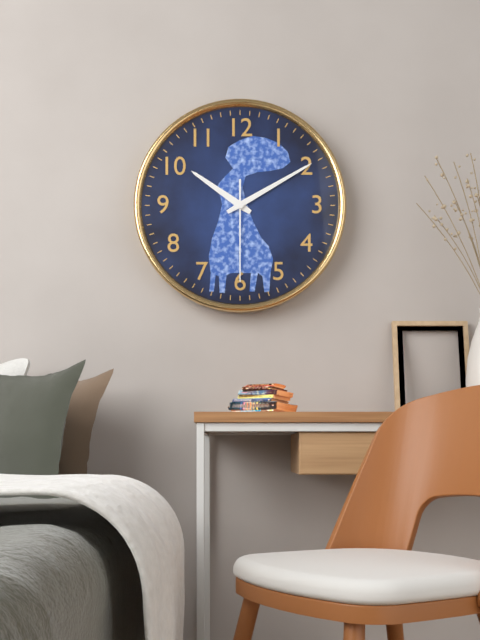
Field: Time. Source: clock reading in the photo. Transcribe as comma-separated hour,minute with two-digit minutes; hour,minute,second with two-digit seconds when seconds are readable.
10,10,30
